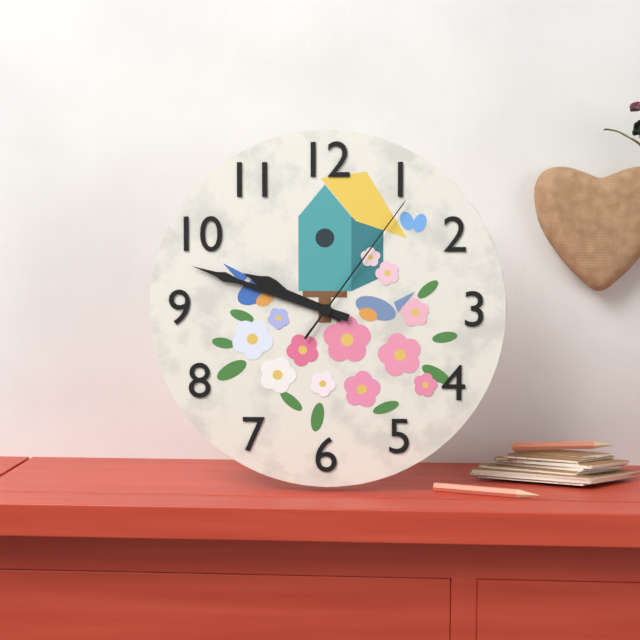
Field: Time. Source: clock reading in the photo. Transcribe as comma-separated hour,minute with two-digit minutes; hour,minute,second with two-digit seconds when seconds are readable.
9,48,06
